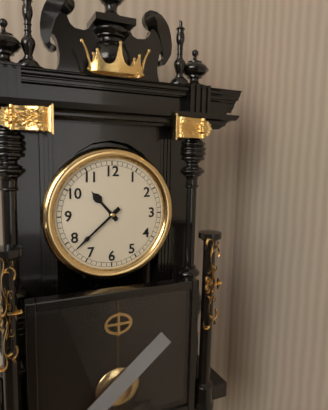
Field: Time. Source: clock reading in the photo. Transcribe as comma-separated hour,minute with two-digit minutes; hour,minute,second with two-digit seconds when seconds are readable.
10,38
